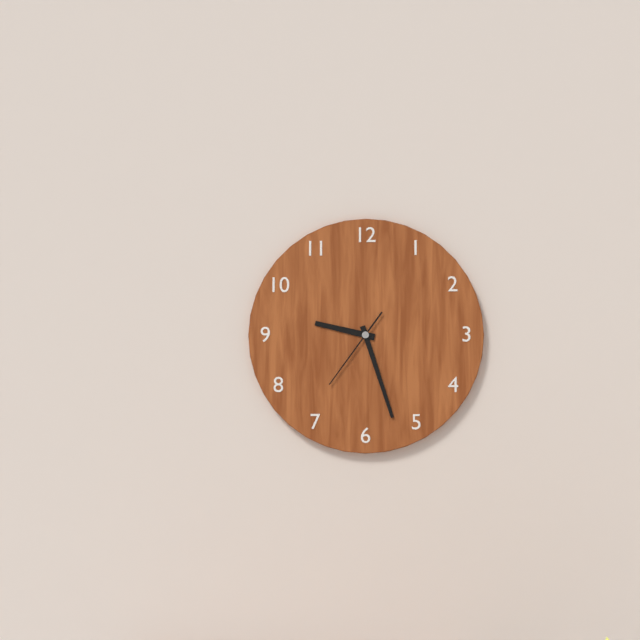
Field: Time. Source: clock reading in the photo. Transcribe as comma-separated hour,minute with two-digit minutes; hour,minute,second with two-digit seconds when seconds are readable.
9,27,36
